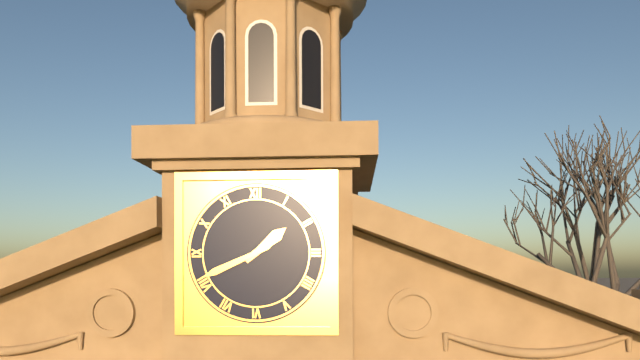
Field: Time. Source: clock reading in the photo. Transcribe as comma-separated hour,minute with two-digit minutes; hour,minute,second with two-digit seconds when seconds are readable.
1,41
